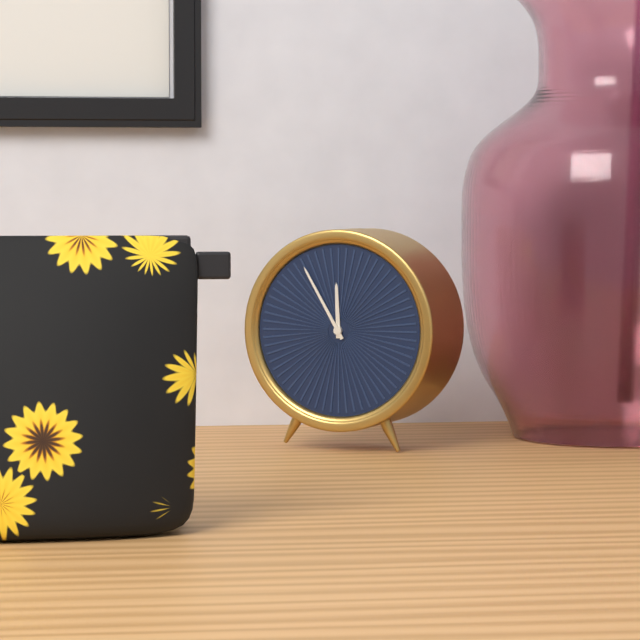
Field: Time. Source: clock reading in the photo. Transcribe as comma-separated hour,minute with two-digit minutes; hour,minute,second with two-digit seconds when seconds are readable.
11,55
